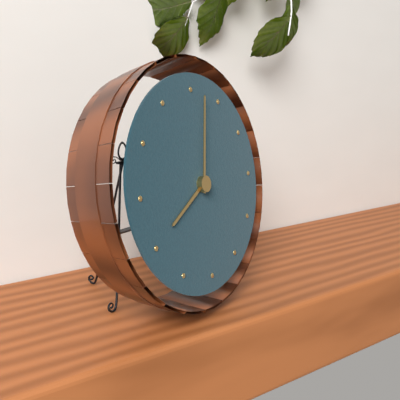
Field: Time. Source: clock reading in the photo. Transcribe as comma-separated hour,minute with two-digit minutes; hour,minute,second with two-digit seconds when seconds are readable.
8,02
